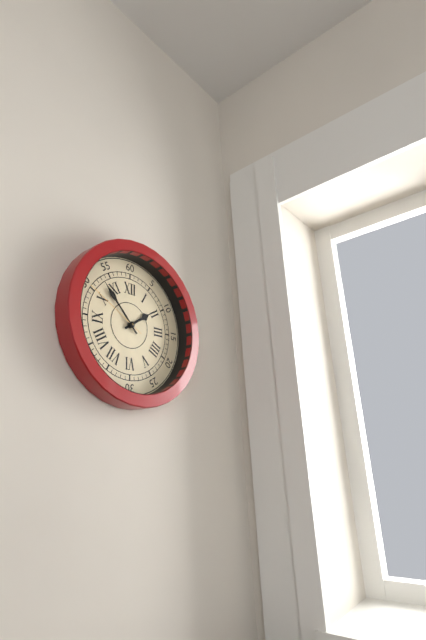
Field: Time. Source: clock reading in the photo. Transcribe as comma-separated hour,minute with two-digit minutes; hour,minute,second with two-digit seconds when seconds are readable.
1,53,50
